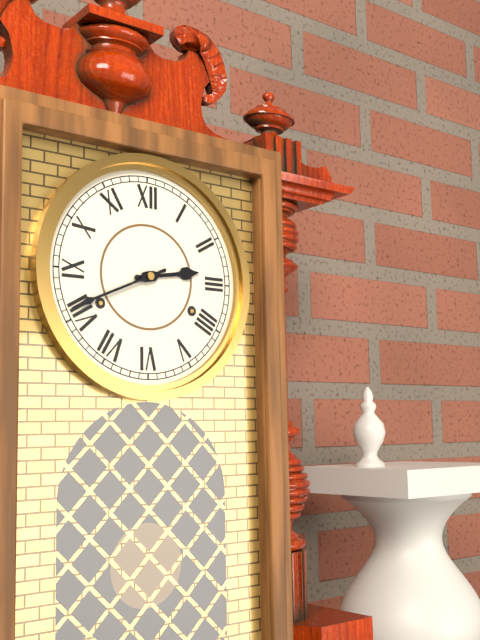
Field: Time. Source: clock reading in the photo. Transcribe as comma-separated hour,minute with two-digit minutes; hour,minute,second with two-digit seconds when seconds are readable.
2,41
